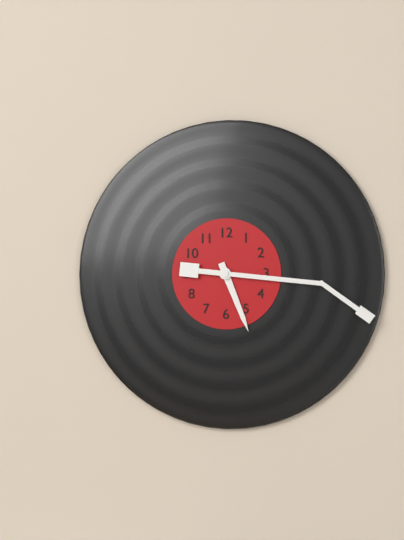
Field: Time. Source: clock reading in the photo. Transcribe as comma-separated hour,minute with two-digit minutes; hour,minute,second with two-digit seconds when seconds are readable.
5,16
